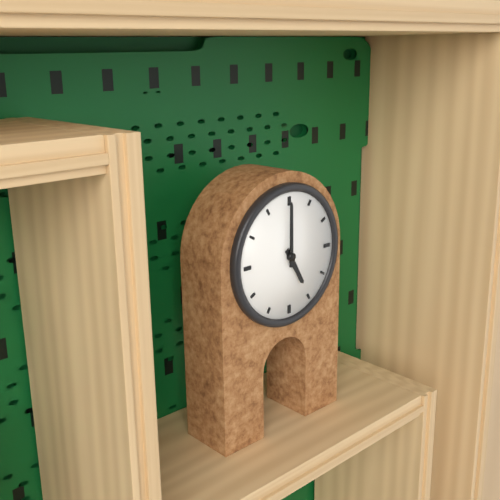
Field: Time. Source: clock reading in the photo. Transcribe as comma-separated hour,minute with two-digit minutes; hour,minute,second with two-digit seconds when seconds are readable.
5,00
